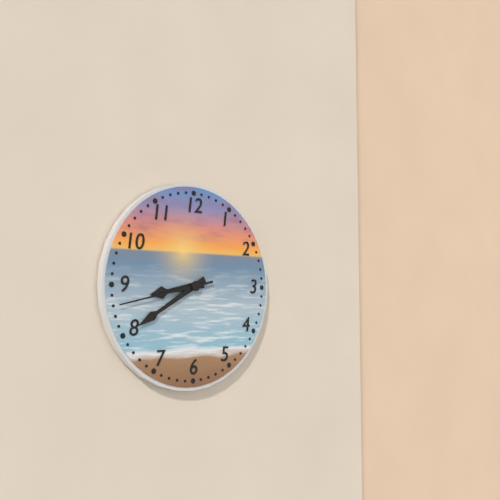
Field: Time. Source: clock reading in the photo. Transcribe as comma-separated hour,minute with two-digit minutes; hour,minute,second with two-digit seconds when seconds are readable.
8,40,43
